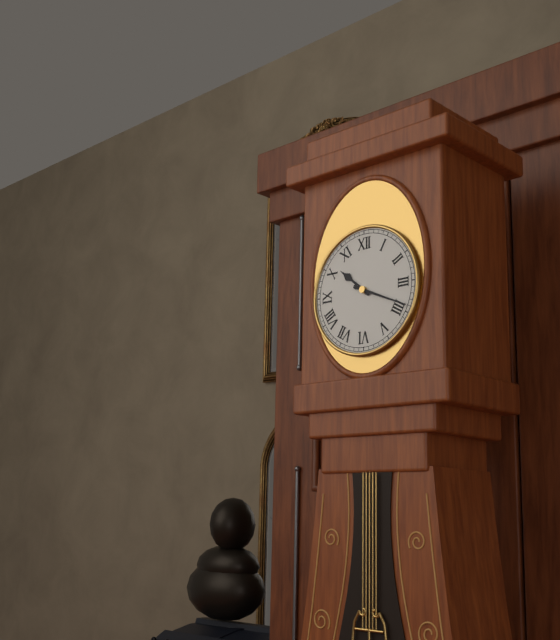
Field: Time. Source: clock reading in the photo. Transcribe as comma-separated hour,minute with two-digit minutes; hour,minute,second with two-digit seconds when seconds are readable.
10,19
